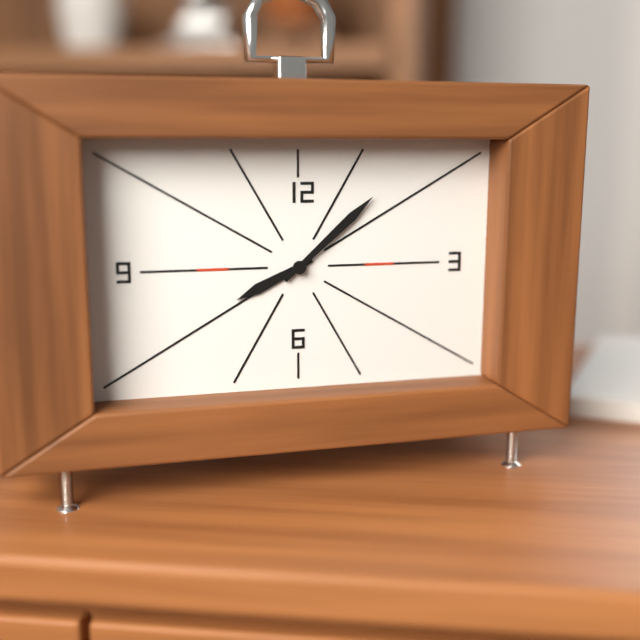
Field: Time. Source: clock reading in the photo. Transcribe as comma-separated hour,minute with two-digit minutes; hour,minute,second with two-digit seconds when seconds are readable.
8,08
